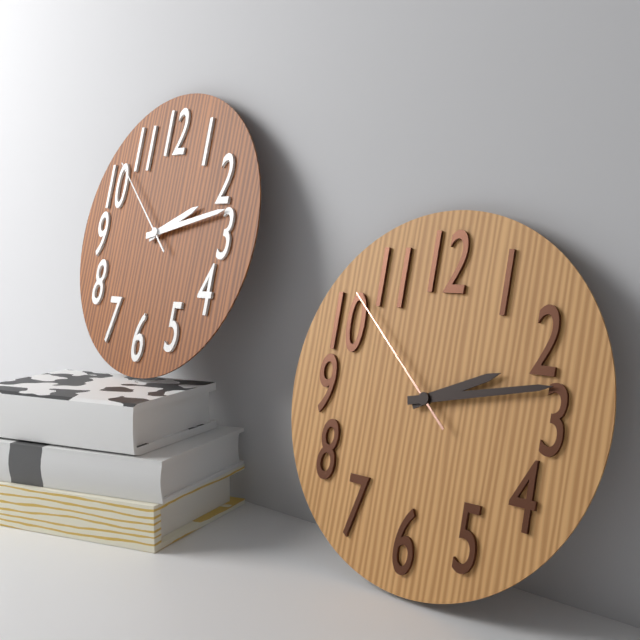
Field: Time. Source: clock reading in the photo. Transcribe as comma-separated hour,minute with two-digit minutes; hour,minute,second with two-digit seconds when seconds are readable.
2,13,52
